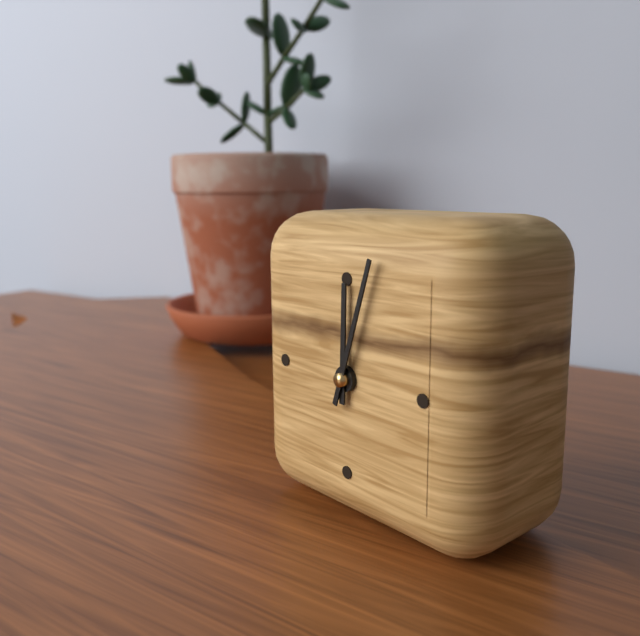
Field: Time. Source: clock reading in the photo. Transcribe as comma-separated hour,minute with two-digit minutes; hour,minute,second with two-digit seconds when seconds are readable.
12,03
